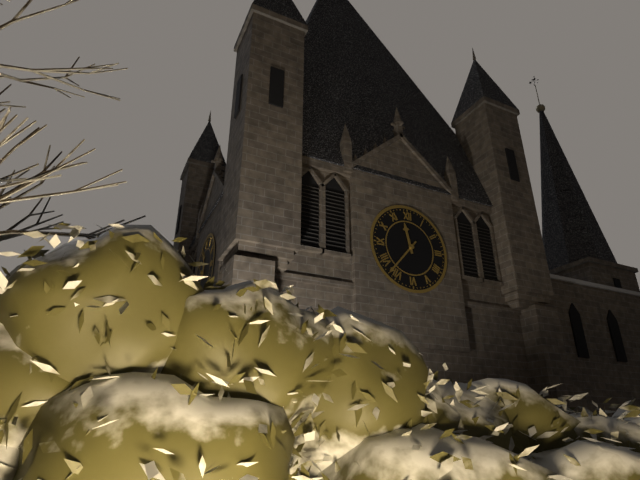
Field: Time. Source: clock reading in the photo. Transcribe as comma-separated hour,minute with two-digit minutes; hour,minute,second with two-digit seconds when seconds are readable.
11,37
